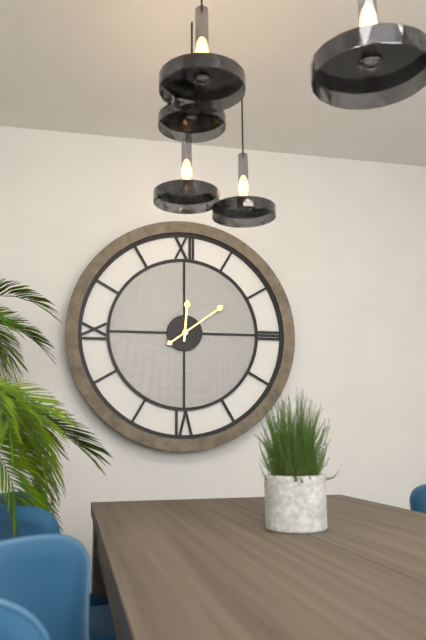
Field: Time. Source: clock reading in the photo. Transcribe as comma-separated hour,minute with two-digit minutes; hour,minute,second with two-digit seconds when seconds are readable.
12,09
